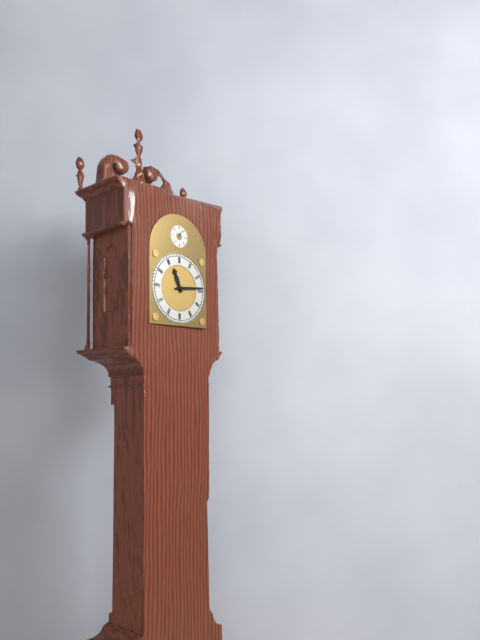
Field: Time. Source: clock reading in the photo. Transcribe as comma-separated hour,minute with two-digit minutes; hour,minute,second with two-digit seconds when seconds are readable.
11,14
